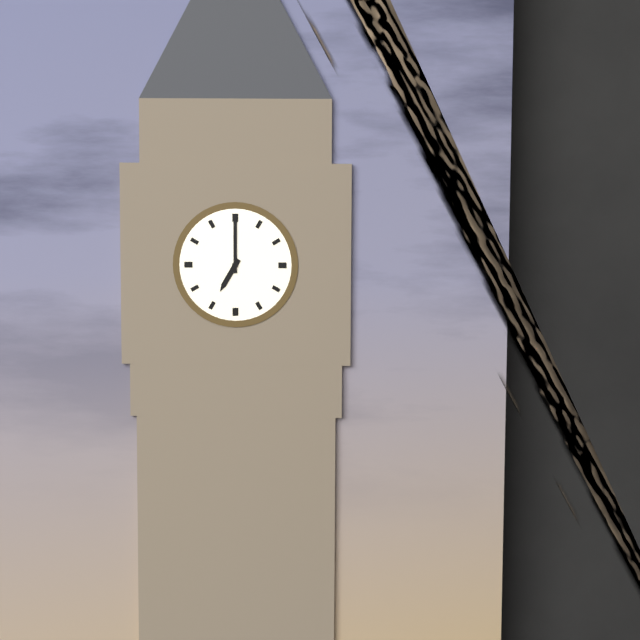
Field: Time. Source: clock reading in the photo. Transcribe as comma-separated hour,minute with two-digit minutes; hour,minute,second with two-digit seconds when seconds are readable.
7,00
